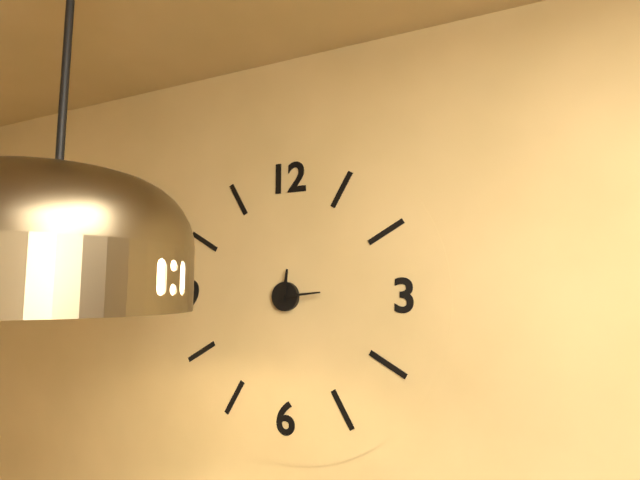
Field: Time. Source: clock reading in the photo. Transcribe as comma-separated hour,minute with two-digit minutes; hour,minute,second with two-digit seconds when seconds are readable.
12,14
